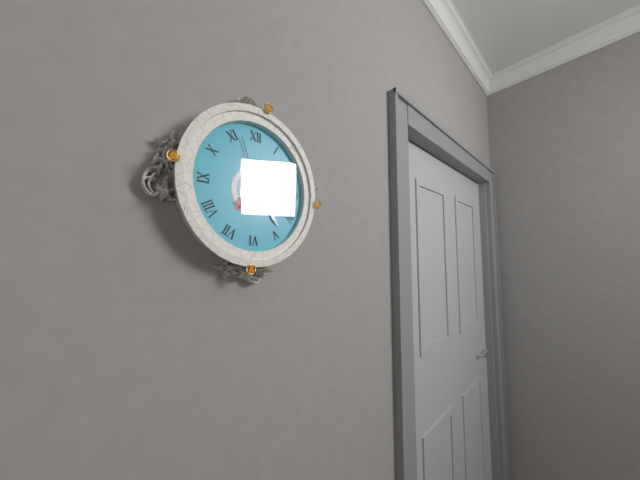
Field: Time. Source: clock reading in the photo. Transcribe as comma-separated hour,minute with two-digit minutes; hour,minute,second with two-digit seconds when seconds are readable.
1,24,57
